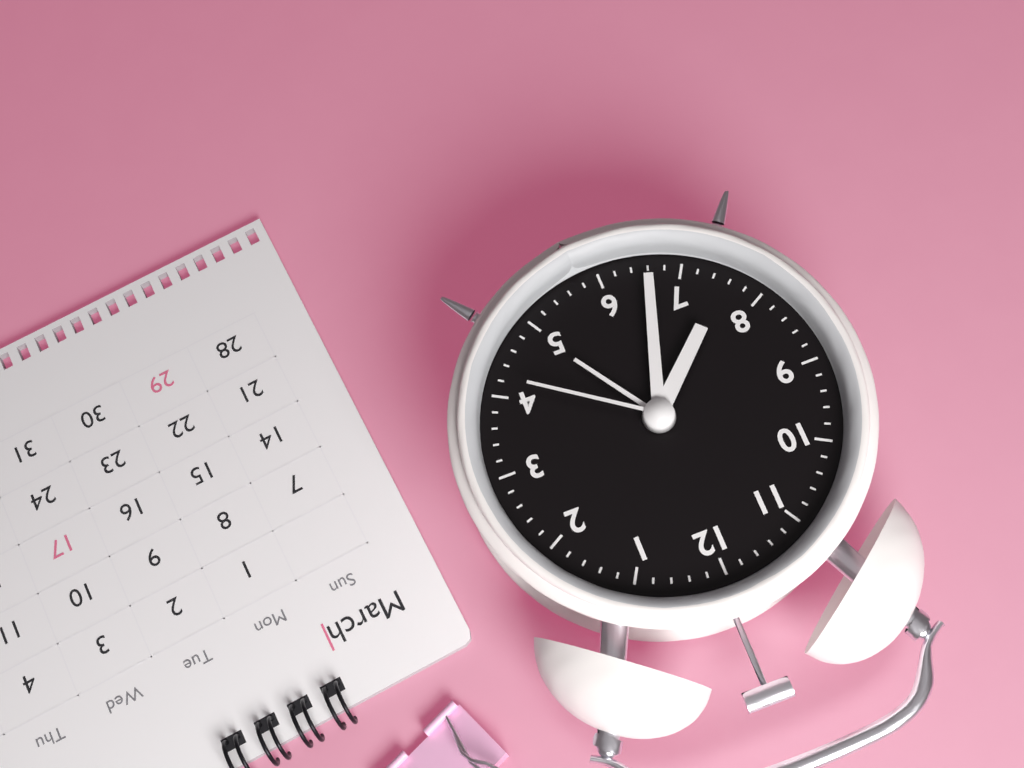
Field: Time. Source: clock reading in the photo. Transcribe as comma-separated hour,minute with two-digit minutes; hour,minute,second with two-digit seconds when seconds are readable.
7,33,21
